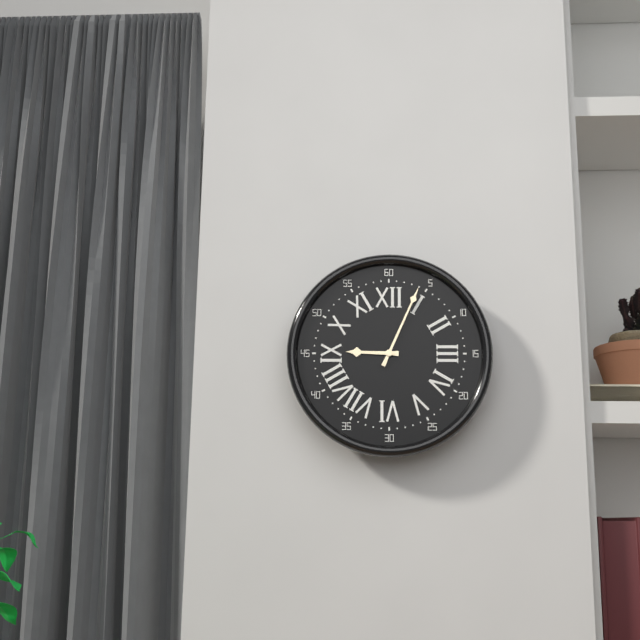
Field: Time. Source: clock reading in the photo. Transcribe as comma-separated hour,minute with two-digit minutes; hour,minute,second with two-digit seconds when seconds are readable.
9,04
